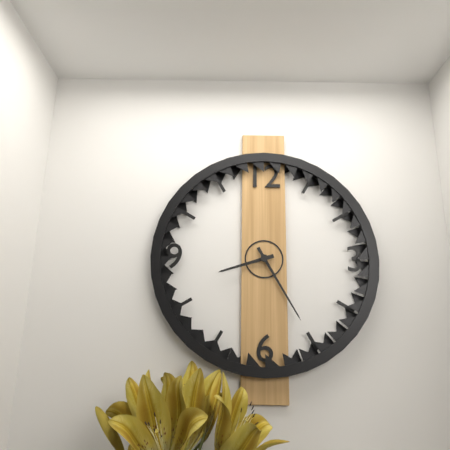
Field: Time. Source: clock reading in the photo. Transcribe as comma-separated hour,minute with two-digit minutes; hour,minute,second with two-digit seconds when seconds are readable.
8,25
